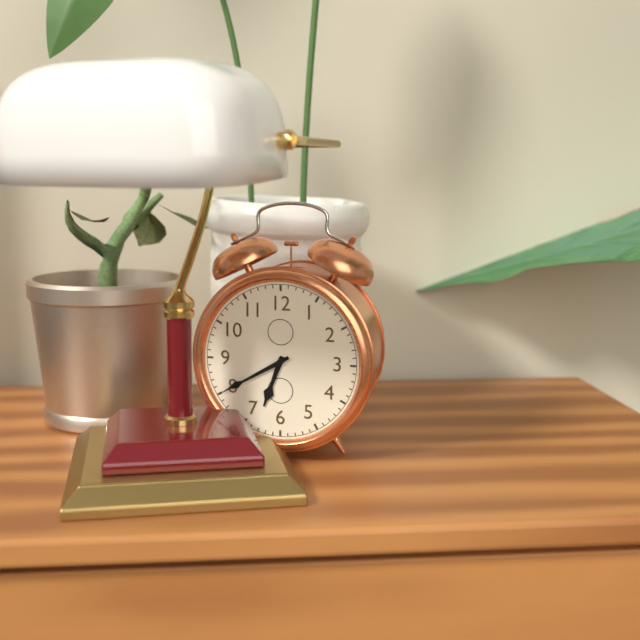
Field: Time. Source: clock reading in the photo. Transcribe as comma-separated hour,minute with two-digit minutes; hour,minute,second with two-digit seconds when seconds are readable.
6,40
